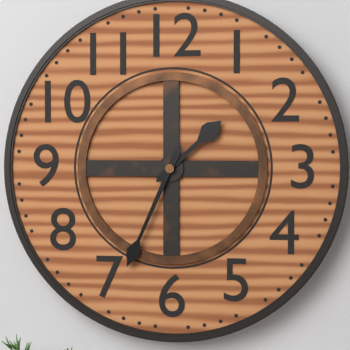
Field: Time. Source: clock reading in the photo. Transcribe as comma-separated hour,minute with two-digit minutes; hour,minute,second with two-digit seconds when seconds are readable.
1,34
